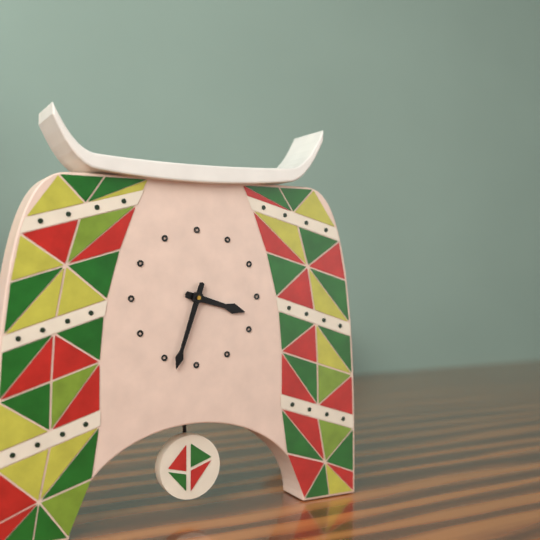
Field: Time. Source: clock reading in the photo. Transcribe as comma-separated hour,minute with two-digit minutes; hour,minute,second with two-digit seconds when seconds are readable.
3,33
